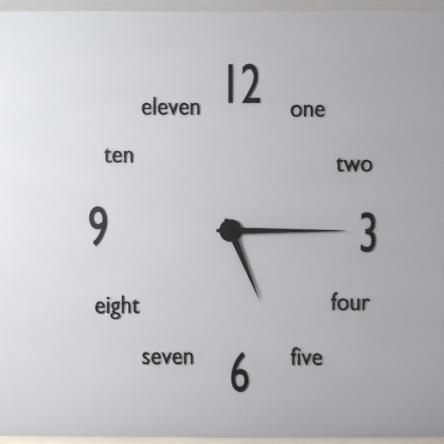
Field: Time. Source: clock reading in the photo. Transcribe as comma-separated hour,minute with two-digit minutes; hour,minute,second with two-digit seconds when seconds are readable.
5,15
